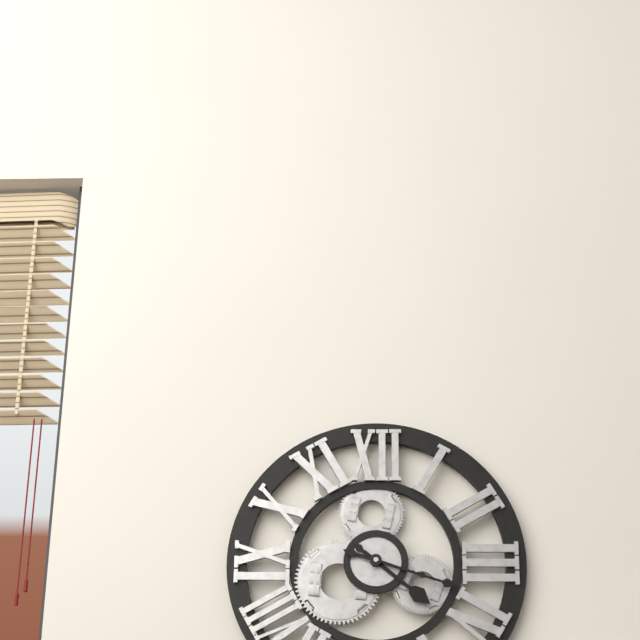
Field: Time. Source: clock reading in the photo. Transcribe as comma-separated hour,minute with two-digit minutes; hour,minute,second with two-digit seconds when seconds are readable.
4,18
